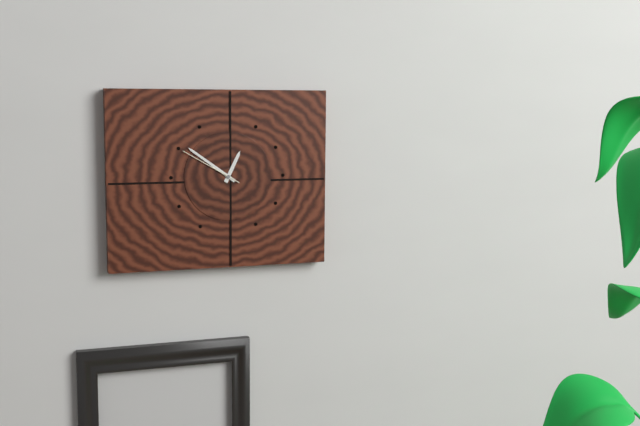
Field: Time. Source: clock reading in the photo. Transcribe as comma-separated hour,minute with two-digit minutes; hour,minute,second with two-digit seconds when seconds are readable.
12,51,50
